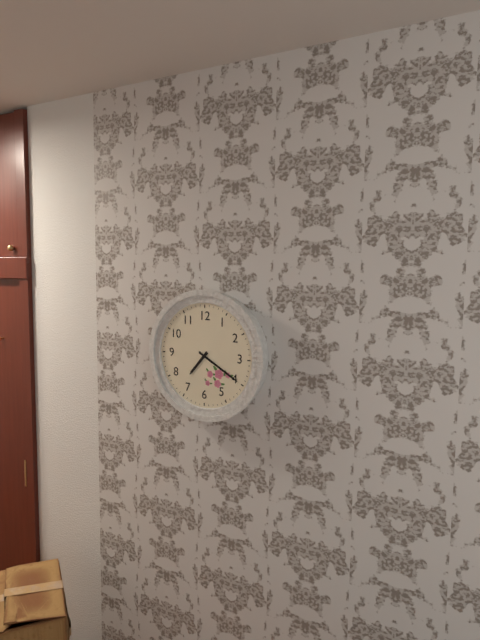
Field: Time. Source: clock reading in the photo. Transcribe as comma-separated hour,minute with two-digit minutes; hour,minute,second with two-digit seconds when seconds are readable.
7,20
